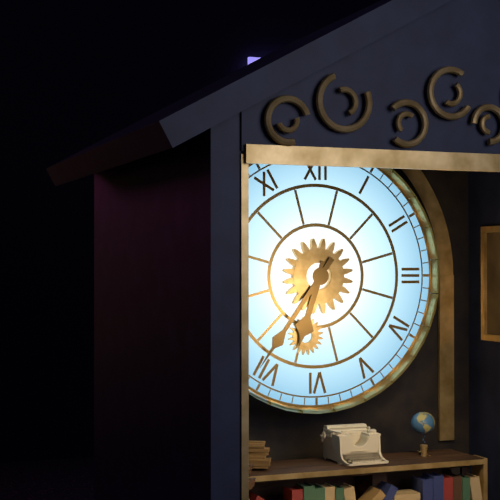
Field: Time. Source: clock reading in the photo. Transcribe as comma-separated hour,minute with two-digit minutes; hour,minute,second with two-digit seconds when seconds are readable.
6,36
